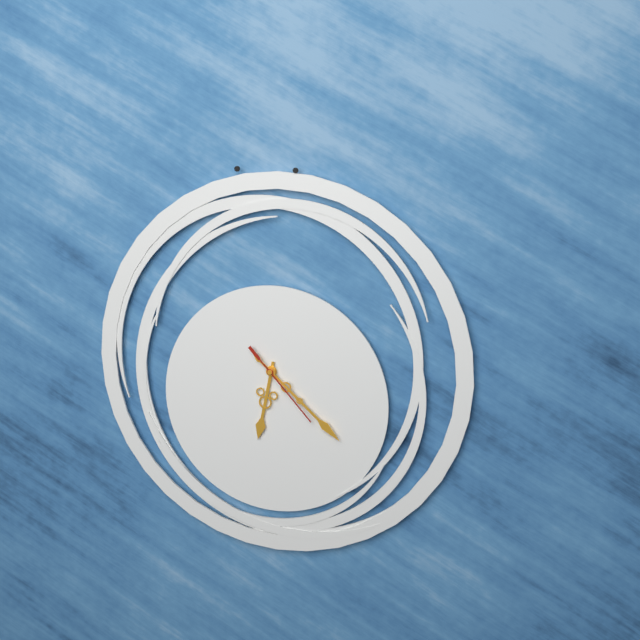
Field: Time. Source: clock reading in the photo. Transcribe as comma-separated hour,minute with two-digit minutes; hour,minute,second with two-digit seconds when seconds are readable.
6,22,23
